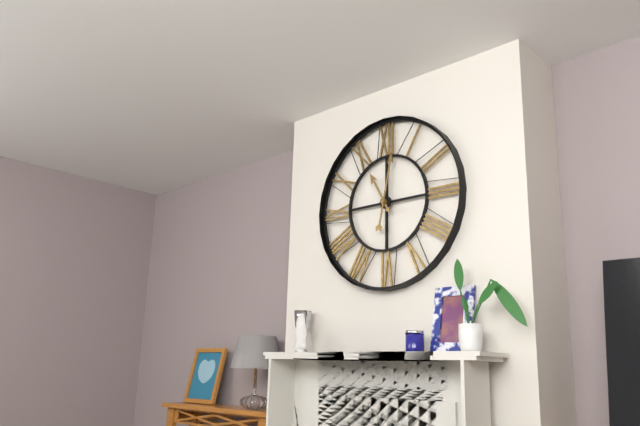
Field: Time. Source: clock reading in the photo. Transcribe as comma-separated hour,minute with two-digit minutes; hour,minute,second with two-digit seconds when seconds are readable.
11,02
